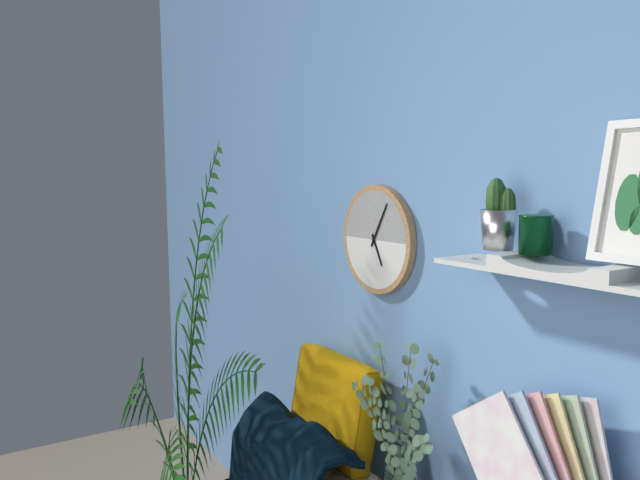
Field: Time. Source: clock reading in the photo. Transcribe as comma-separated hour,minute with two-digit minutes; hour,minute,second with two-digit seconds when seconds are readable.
5,05
